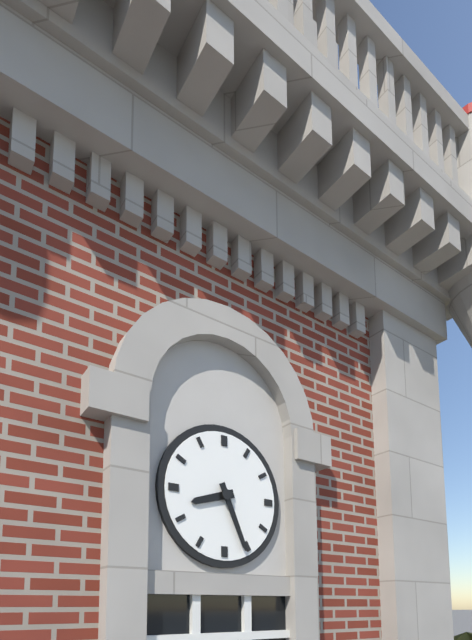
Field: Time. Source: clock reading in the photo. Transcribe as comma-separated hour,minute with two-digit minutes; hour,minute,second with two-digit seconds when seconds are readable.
8,26
